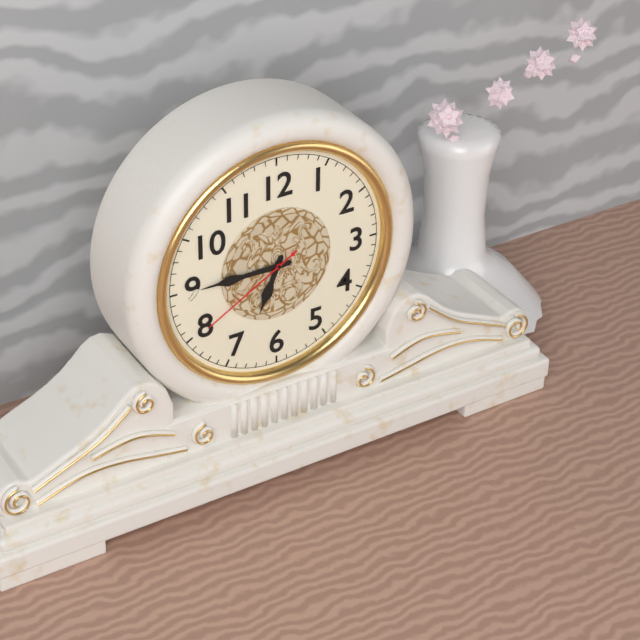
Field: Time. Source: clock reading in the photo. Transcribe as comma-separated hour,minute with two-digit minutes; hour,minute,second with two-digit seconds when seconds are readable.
6,45,40
